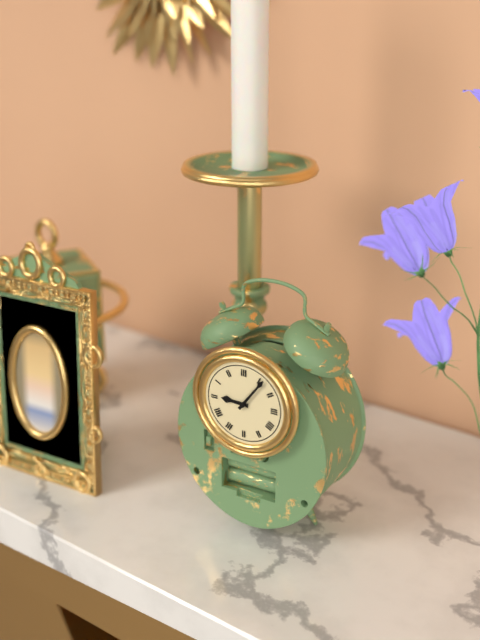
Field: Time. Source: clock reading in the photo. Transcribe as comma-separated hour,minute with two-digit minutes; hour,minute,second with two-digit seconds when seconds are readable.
9,06
